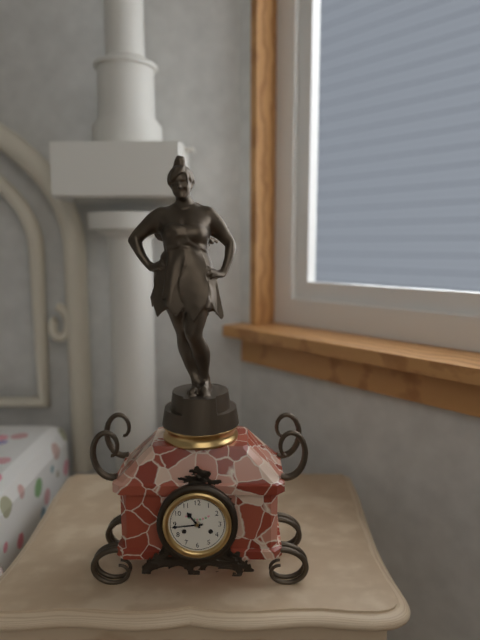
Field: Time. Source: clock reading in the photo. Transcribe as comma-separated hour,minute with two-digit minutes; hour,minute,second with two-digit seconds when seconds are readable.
10,44
